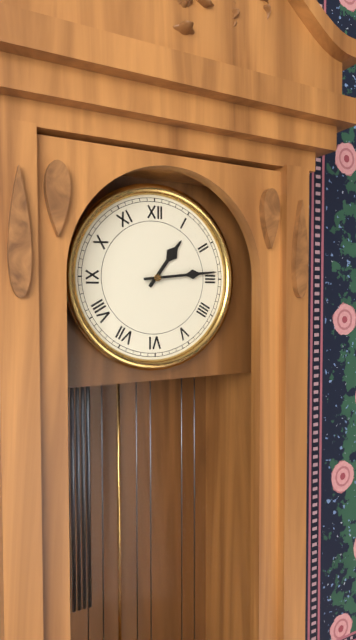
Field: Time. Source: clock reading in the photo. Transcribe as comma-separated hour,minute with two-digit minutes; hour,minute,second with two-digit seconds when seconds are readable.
1,14
